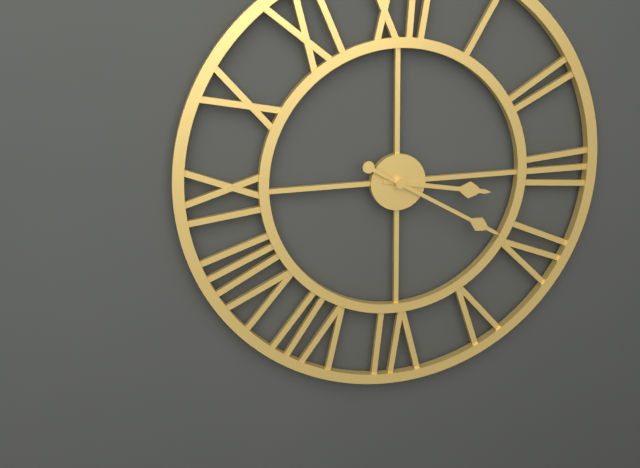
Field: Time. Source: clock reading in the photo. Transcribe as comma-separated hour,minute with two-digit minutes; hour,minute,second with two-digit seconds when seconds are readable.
3,20
